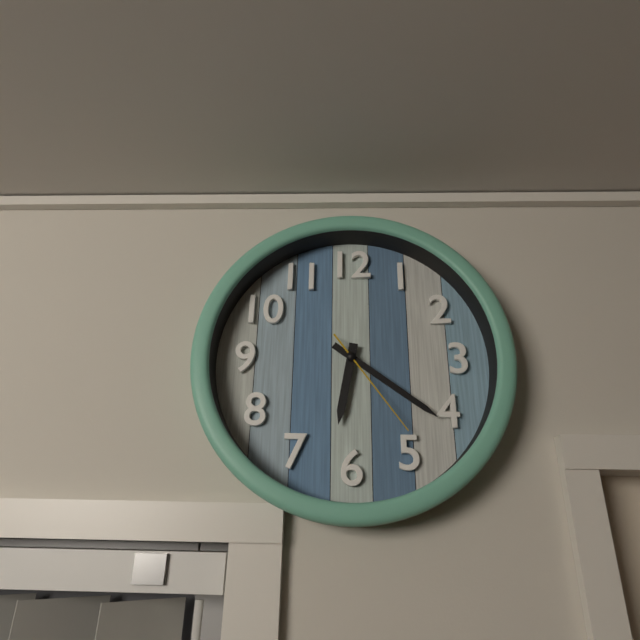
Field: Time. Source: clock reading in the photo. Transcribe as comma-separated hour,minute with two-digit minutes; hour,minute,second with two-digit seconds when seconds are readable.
6,21,24
